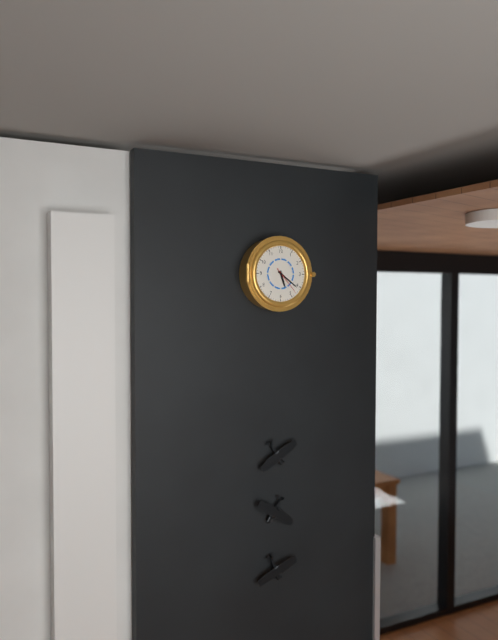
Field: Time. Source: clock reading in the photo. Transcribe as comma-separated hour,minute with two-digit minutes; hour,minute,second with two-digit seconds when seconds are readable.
5,21
